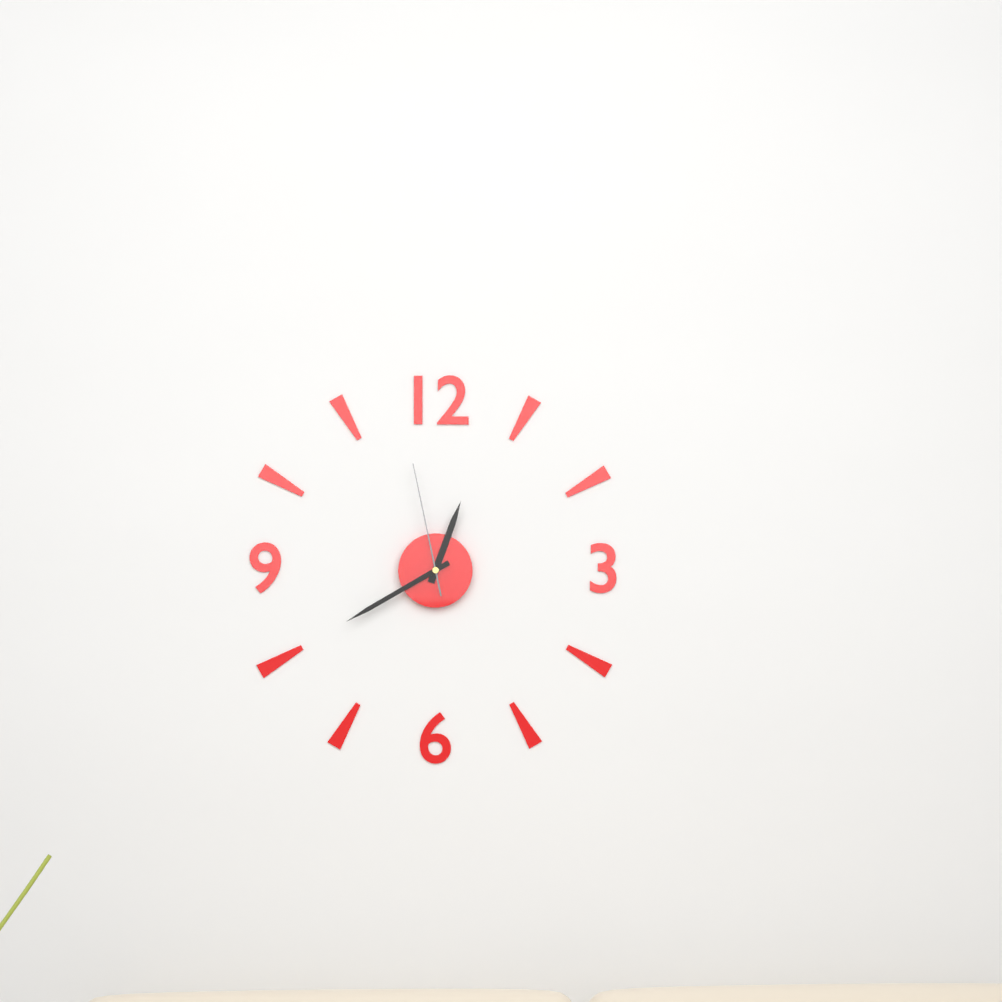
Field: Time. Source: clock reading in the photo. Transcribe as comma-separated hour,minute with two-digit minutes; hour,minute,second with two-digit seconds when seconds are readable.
12,40,58
